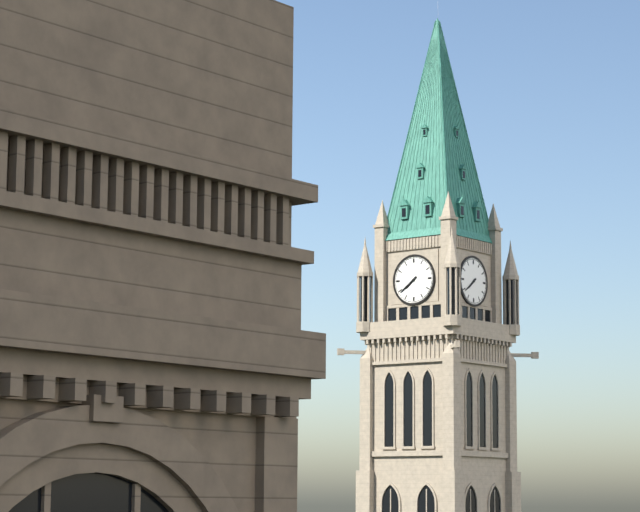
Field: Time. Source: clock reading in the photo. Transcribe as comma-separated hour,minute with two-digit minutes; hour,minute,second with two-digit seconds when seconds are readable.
7,39
